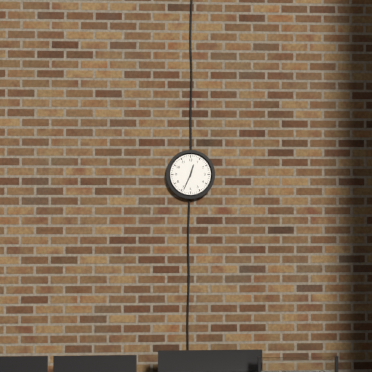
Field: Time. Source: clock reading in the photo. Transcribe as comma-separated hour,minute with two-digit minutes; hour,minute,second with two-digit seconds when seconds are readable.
12,34
